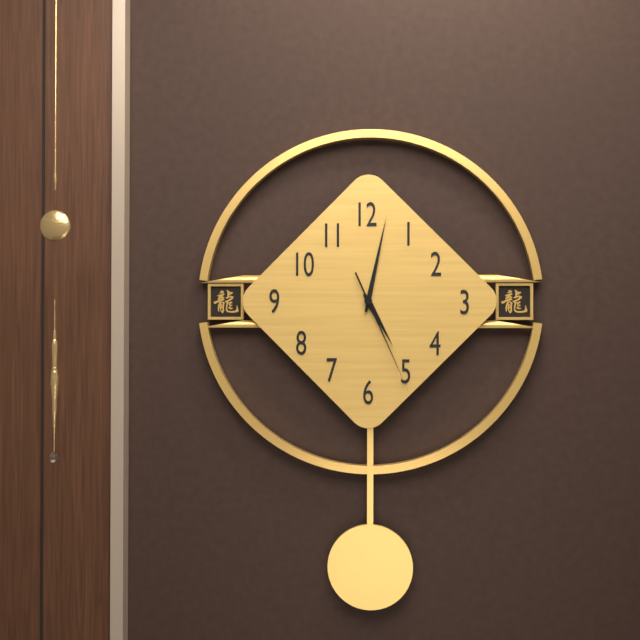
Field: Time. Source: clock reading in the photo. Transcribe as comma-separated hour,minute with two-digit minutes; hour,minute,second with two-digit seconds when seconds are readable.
5,02,26
